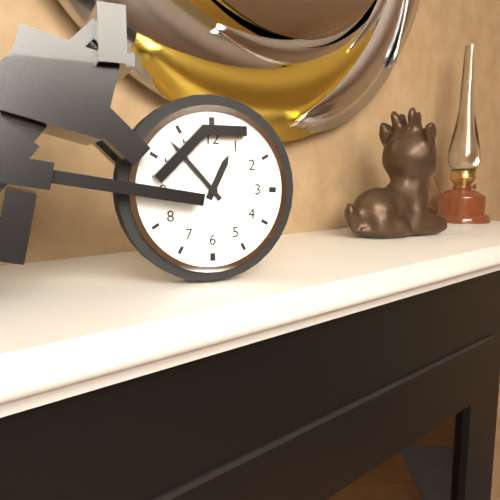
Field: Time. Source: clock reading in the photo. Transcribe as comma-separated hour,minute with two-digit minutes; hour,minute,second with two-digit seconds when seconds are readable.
12,53
